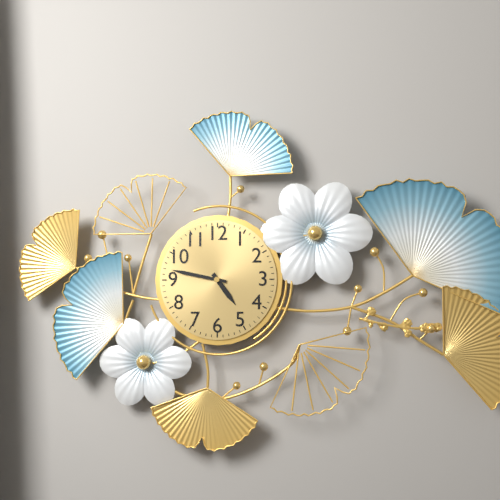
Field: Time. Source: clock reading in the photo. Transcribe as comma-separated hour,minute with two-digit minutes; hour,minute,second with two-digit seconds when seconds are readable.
4,47
